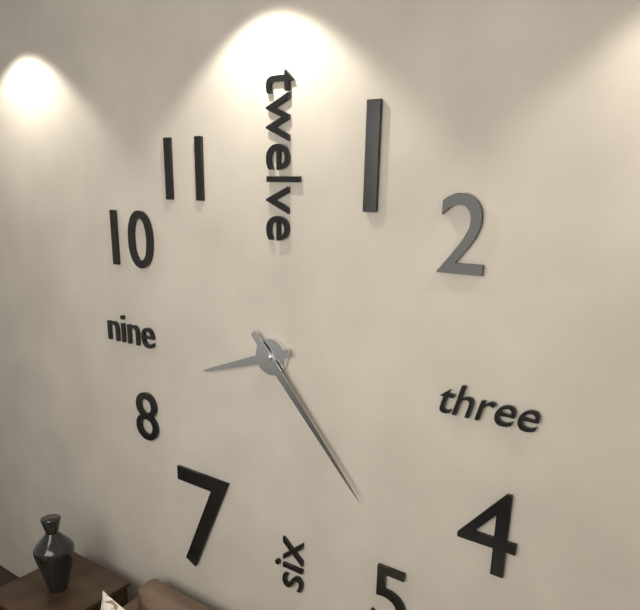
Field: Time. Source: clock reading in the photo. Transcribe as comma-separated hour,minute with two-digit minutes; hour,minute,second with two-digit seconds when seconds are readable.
8,23
